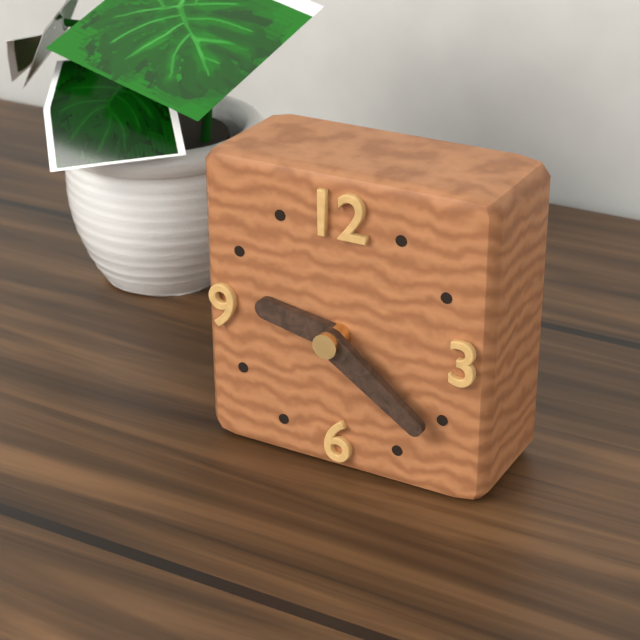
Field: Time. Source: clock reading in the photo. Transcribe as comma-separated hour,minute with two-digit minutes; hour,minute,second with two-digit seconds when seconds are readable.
9,21
